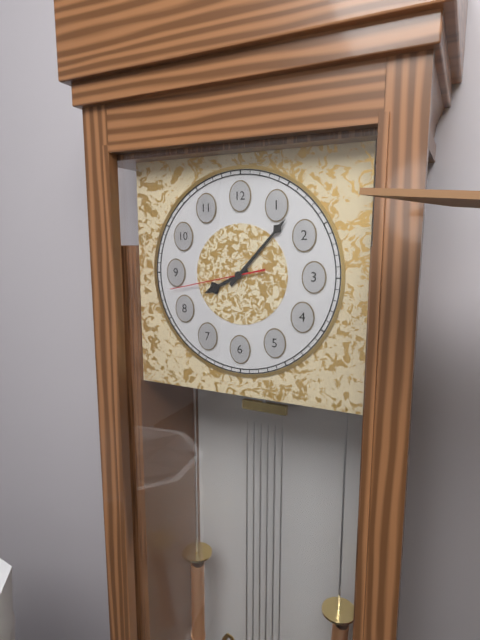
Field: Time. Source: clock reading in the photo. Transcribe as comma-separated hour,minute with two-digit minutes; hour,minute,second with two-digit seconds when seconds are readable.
8,07,43
